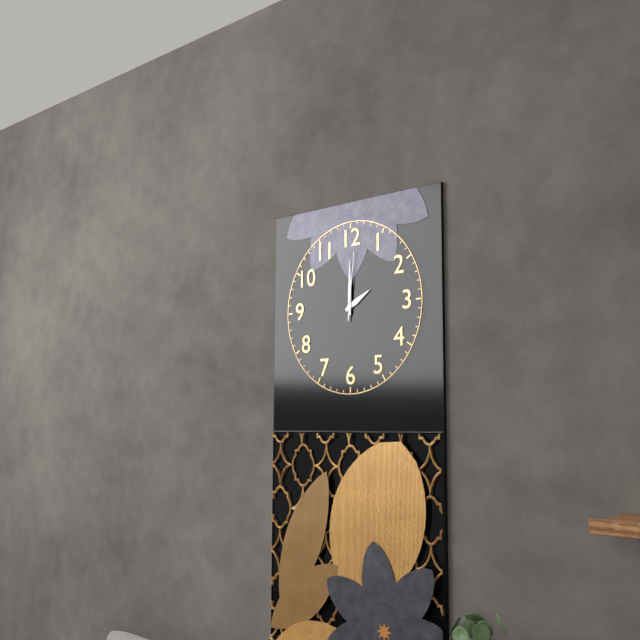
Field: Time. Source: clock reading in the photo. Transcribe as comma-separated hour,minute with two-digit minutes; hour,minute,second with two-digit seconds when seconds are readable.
2,00,01
